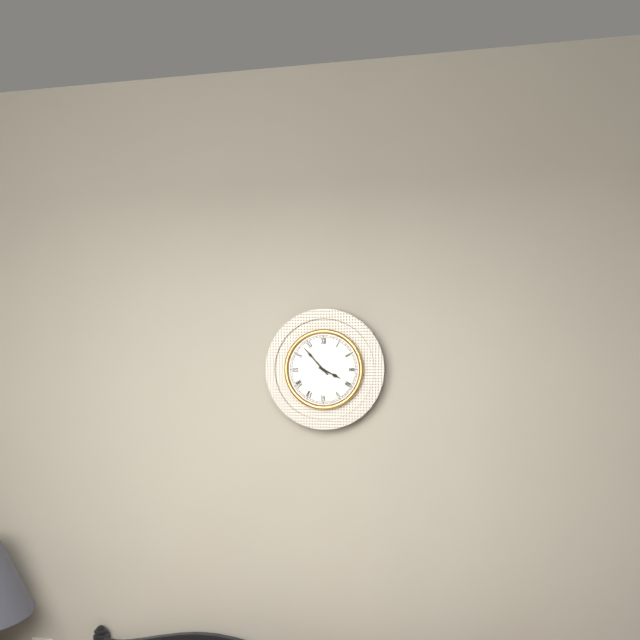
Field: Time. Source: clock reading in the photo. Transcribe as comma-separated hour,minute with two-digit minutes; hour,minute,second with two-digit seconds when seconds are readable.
3,53
